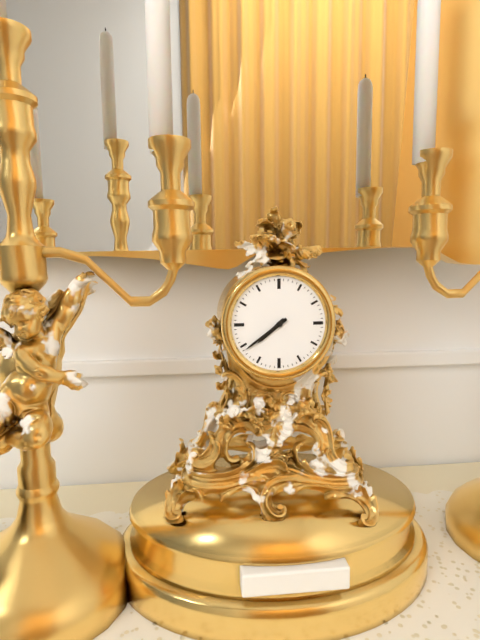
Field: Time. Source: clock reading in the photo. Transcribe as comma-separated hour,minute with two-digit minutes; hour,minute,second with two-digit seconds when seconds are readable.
7,39
